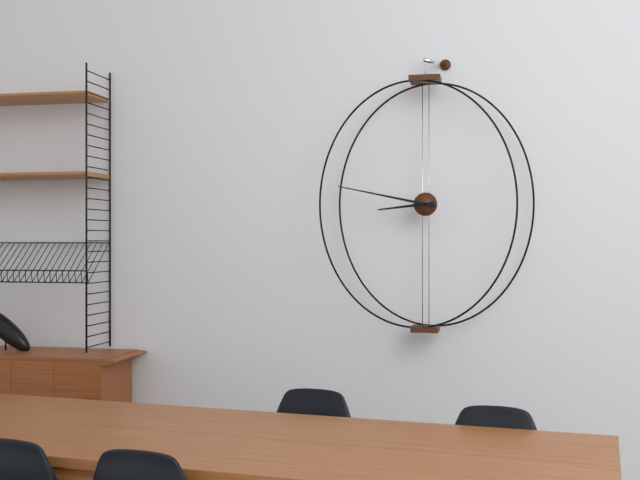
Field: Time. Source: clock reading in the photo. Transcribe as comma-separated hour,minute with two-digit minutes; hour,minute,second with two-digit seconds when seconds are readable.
8,47
